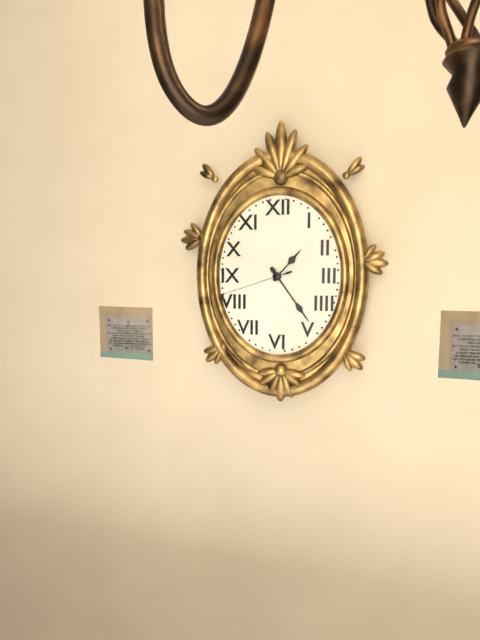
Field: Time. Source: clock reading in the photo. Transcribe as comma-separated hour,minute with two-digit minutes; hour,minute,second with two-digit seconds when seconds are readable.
1,24,42
